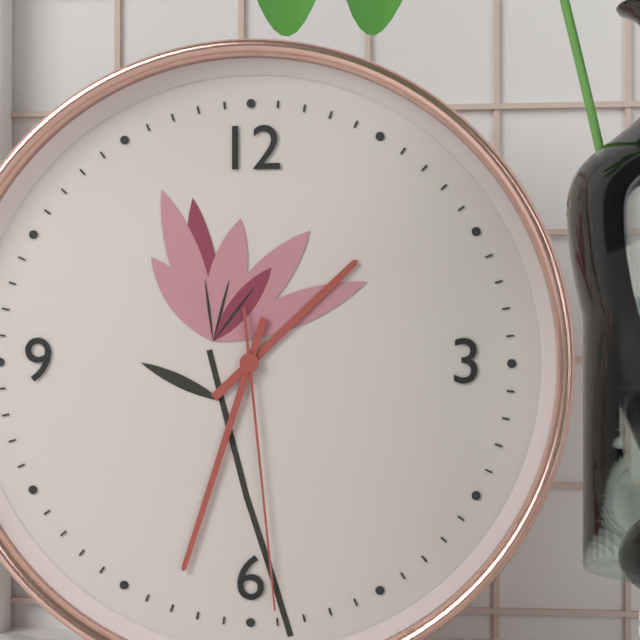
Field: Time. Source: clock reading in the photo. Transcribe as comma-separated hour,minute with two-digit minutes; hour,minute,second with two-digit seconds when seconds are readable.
1,33,29
